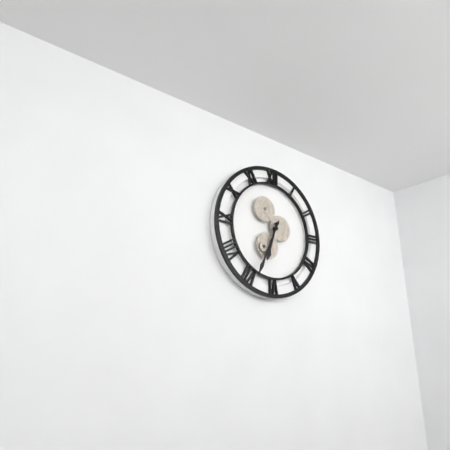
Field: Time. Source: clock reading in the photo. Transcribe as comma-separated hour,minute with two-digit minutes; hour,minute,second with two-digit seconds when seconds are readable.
6,34
